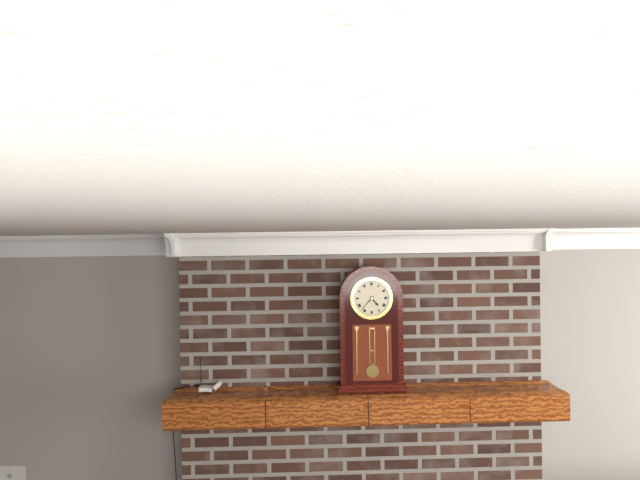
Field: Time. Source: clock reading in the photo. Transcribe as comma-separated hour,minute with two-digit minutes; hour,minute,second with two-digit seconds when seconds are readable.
4,37
